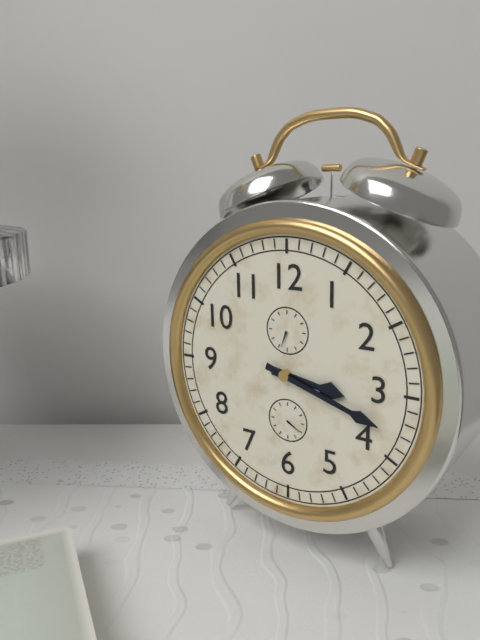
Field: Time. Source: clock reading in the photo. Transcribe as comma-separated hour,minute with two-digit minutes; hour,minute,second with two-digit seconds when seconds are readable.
3,18
